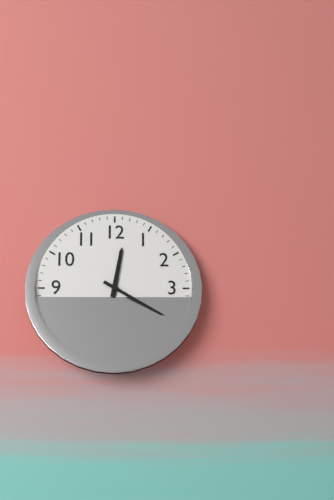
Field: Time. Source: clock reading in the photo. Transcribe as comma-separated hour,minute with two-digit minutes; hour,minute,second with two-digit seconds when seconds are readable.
12,20
